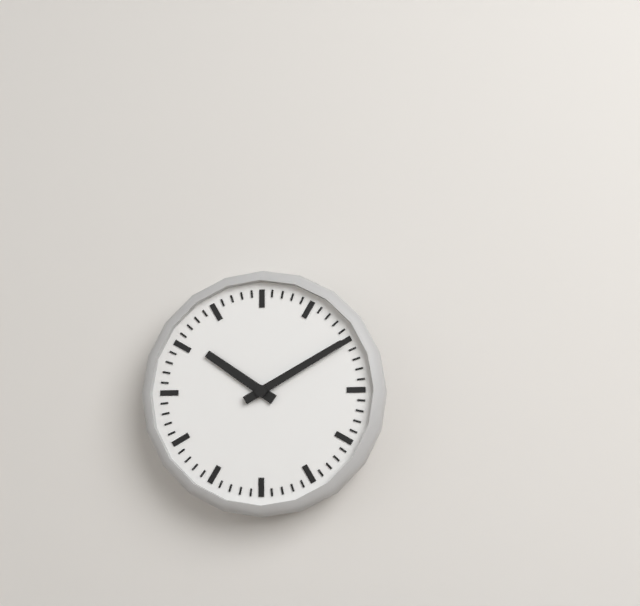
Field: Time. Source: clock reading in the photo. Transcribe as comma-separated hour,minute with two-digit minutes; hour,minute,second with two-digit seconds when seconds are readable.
10,10
